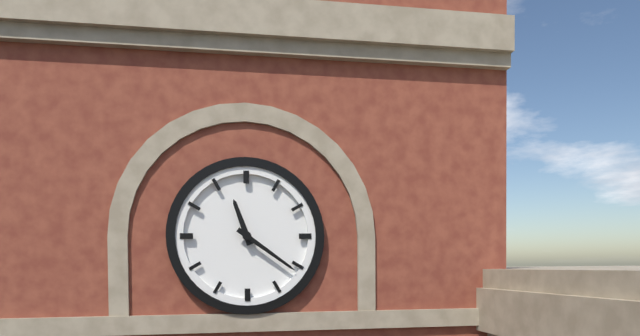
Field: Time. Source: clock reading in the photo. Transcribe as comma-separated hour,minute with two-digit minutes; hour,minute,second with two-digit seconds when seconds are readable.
11,21
